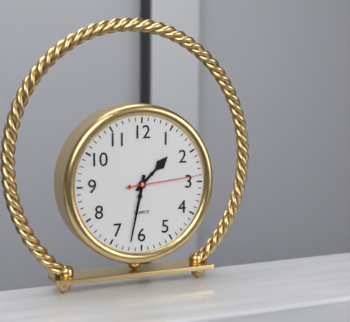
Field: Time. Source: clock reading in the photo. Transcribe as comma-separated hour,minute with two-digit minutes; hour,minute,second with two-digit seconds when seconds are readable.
1,32,14
